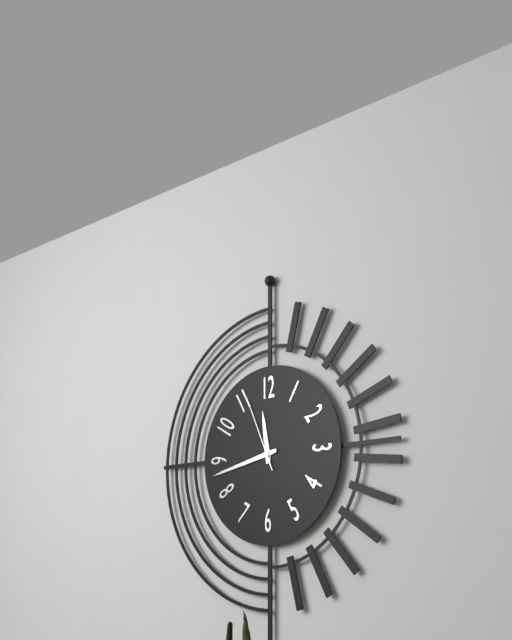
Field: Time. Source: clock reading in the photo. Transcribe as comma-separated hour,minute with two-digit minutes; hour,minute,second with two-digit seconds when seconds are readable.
11,43,56
